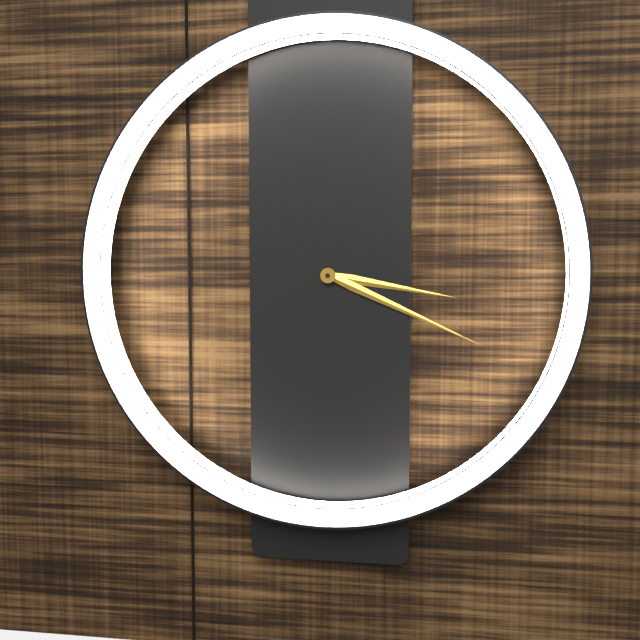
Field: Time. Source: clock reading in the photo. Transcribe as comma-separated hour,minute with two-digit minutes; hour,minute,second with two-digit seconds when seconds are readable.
3,19
